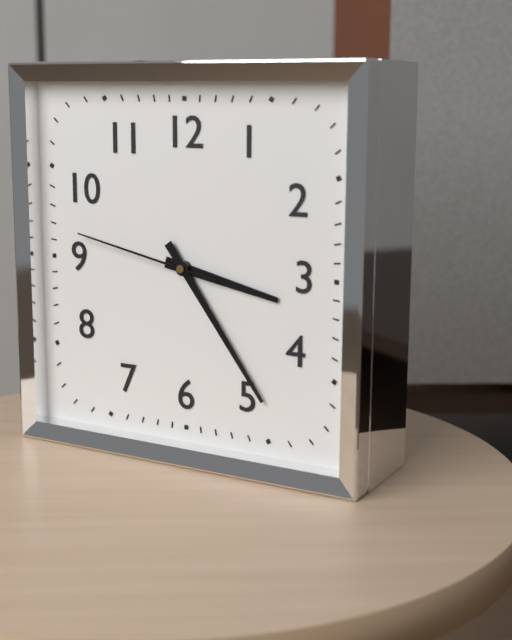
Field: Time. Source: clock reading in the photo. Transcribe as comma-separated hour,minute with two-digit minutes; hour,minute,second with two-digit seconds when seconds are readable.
3,24,47
